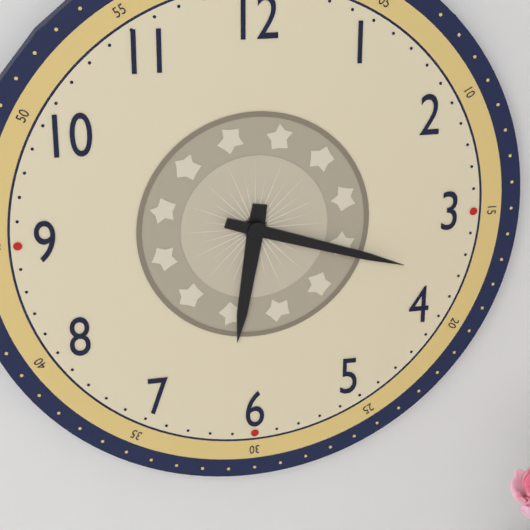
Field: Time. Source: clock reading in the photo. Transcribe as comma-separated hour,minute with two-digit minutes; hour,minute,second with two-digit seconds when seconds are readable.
6,18
